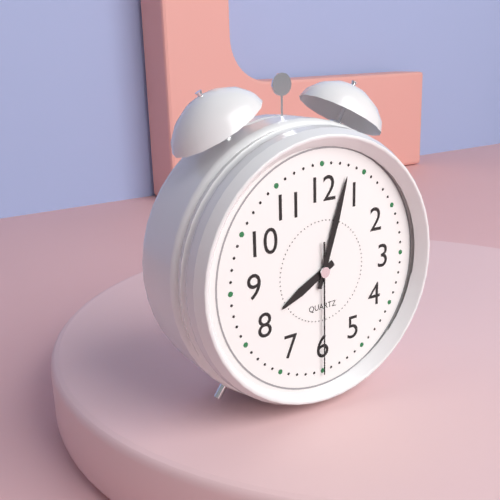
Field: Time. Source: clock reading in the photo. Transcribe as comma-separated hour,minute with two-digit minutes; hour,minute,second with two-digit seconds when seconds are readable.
8,03,30
